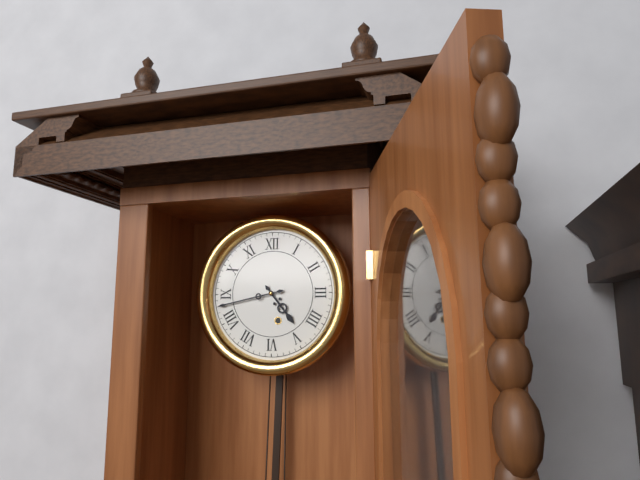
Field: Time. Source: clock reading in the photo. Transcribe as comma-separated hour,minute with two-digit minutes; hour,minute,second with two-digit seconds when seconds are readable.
4,43
